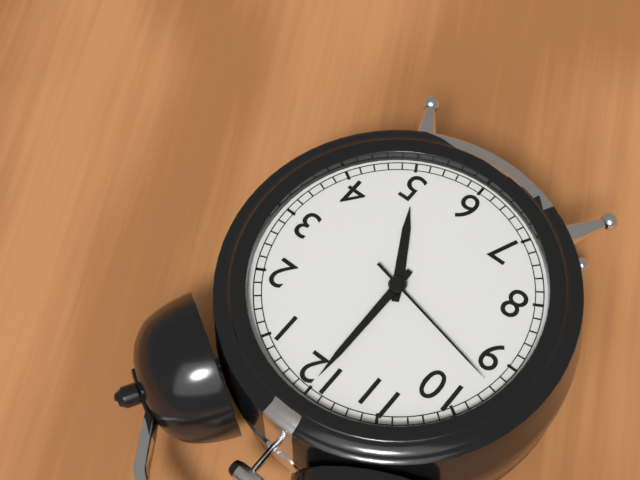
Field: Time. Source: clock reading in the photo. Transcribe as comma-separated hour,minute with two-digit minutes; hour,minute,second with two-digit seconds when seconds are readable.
5,00,47
